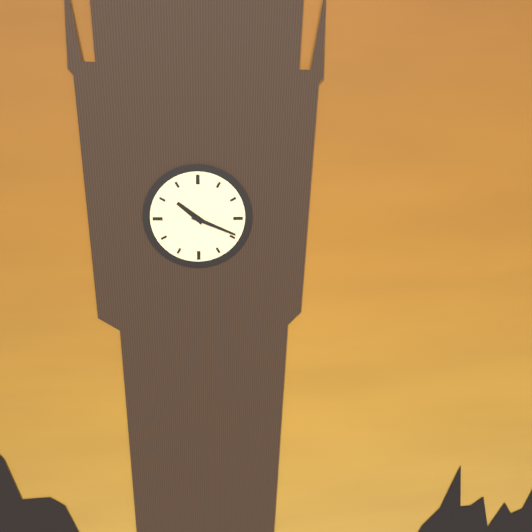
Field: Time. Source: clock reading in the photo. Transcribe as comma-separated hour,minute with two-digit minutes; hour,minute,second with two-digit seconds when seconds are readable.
10,19
